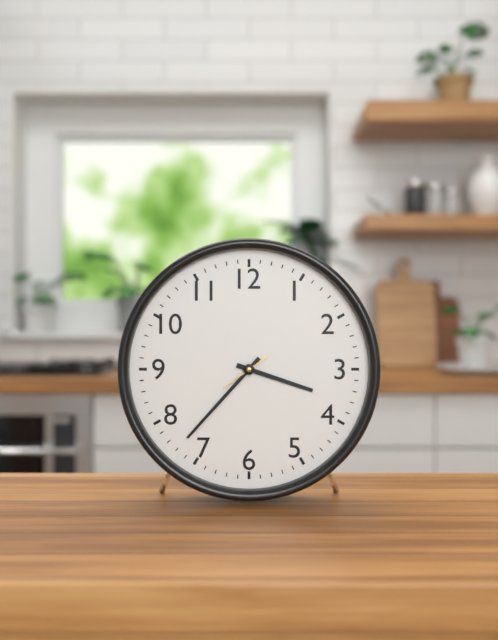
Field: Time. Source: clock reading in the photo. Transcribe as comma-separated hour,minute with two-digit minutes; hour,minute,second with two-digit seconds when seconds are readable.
3,37
